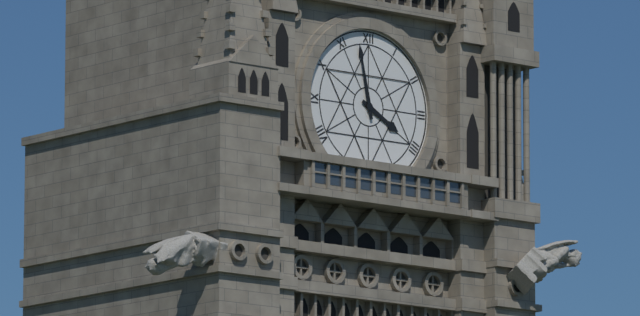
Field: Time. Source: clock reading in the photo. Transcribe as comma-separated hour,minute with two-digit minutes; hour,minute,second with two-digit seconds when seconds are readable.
3,58
